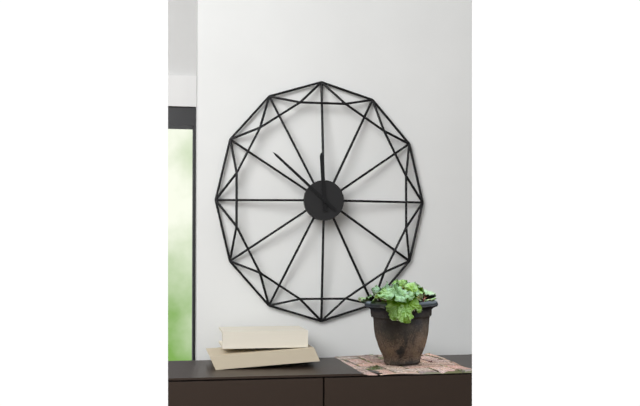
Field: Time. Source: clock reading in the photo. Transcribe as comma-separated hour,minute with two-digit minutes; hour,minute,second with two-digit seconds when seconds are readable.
11,52
